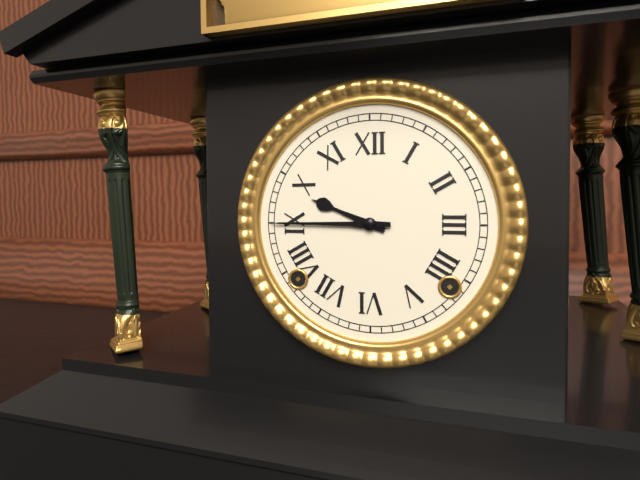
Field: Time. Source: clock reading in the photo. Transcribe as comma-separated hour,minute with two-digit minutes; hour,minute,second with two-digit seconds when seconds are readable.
9,45
